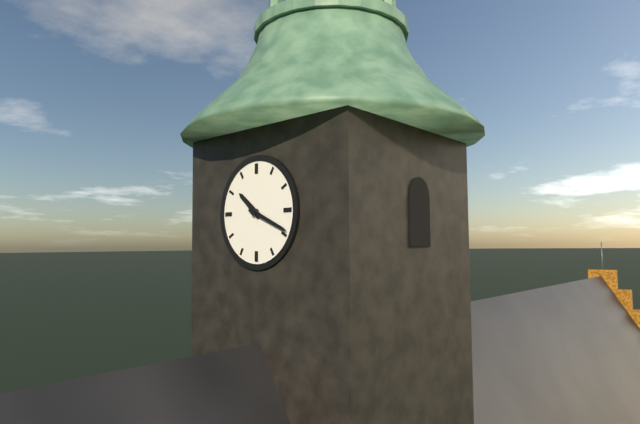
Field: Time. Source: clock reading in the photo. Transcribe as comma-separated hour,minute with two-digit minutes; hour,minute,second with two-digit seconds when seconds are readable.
10,19
